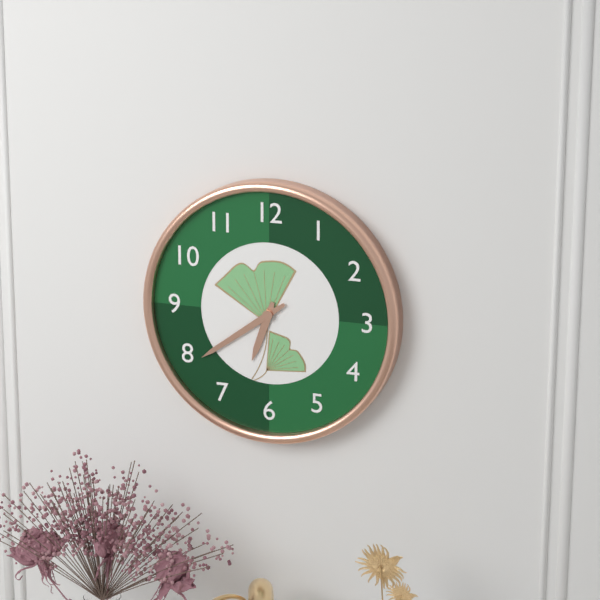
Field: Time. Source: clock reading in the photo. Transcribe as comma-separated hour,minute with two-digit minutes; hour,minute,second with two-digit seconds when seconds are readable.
6,39
